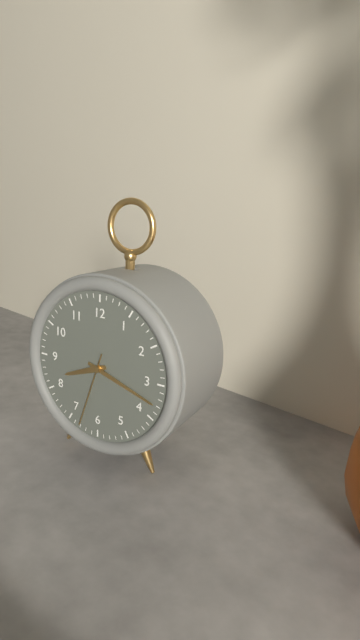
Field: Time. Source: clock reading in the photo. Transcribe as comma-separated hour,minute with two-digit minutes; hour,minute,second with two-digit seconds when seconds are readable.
8,18,33
